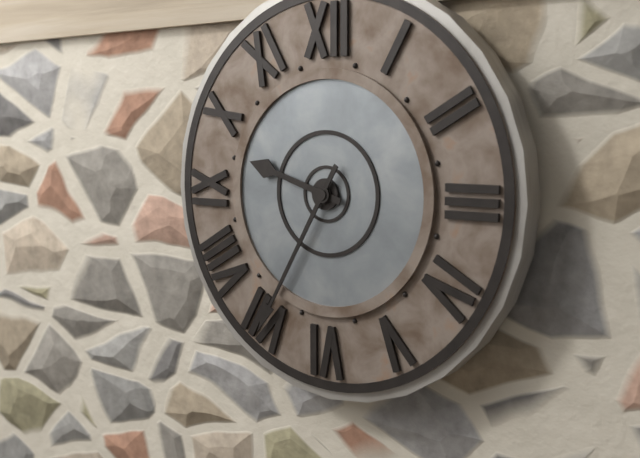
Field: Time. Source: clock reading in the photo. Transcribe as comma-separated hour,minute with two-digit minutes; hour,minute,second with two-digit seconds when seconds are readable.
9,35
